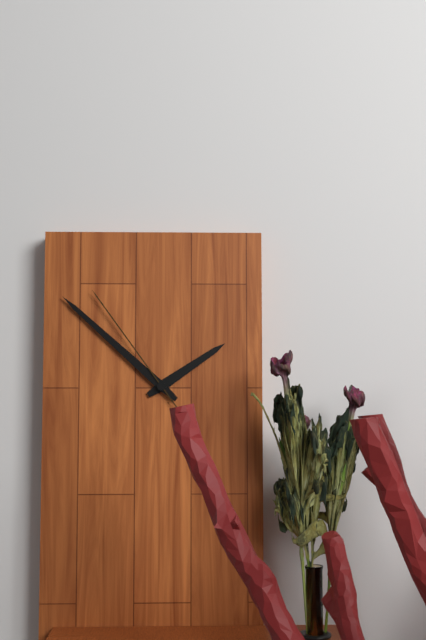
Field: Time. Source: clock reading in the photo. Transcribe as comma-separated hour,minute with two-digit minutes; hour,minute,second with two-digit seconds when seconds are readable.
1,52,54
